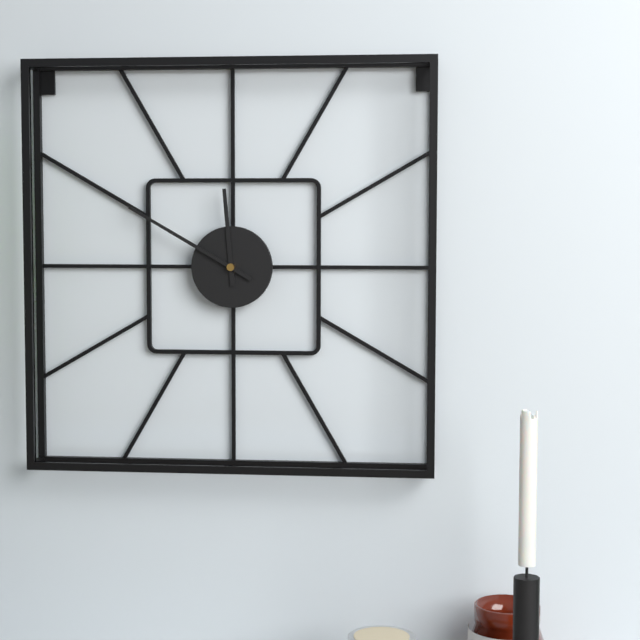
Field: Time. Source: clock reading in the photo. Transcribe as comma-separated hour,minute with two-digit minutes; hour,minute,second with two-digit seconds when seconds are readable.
11,50
